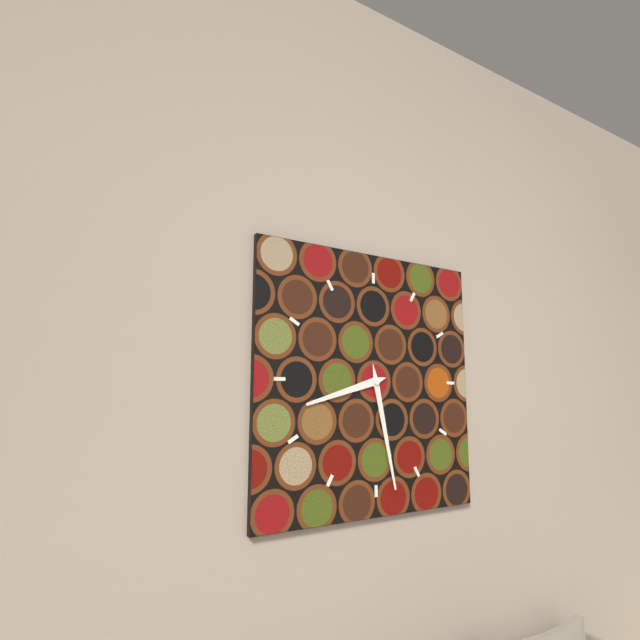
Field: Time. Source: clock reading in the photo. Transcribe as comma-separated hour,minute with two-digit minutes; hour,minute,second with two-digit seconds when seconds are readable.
8,28
